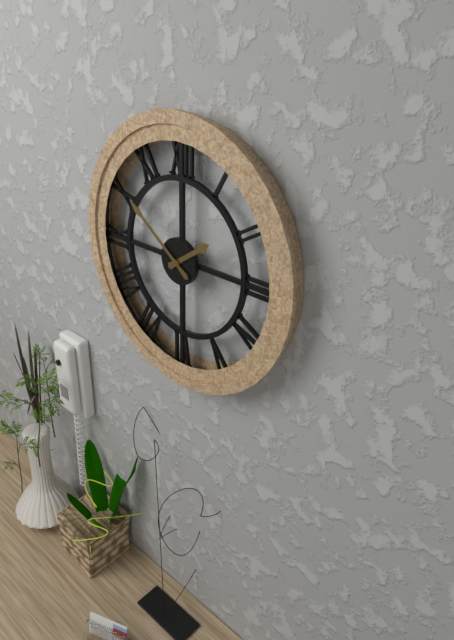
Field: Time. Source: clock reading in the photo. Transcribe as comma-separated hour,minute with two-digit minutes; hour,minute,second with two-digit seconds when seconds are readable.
1,51
